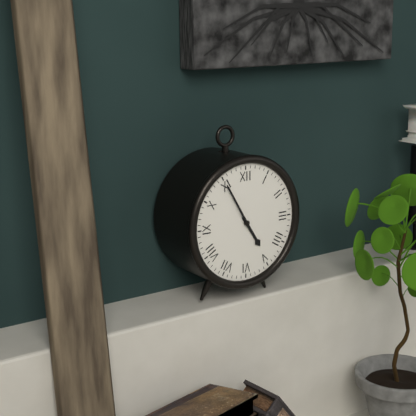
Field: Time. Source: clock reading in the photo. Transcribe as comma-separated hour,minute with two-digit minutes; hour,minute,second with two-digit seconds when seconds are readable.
4,55
